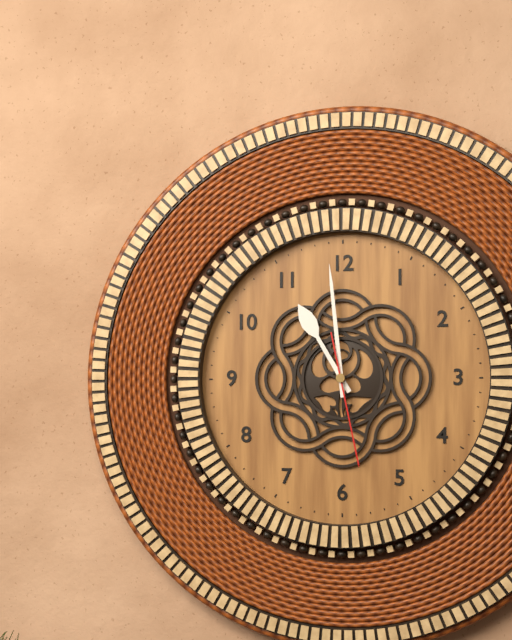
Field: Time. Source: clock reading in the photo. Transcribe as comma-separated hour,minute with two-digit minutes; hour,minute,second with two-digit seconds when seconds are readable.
10,59,28
